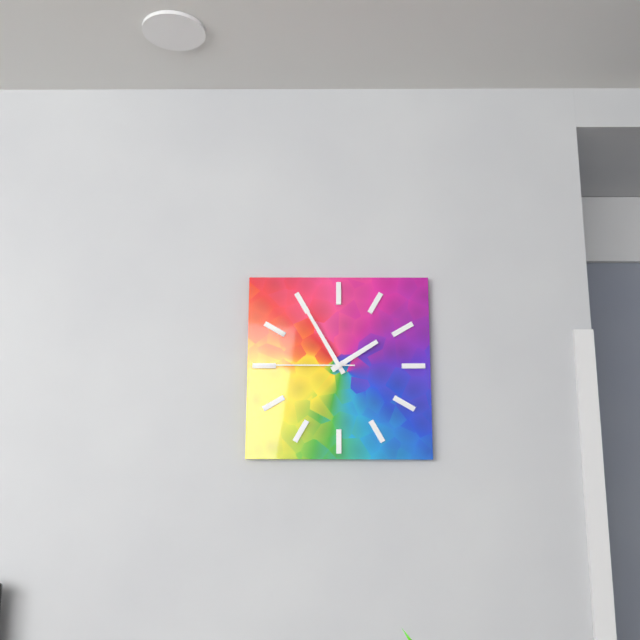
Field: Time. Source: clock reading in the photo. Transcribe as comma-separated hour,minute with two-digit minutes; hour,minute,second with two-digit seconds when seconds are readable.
1,55,45
